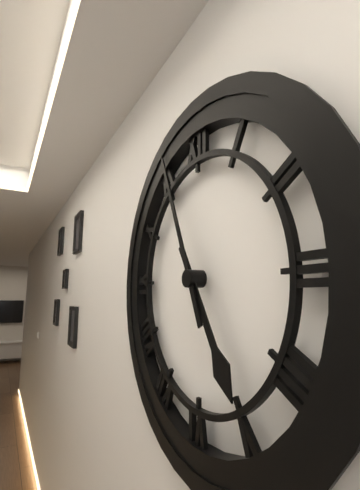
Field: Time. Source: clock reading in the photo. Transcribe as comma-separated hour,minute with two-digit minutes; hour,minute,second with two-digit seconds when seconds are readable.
4,56
